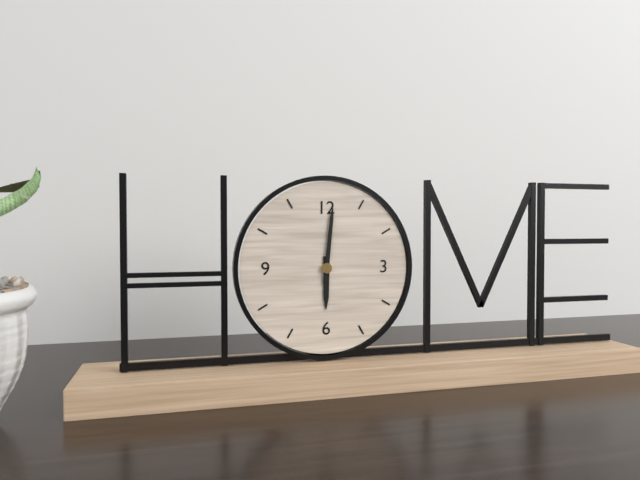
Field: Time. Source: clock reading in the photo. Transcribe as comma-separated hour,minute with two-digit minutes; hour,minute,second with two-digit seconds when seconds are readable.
6,01
